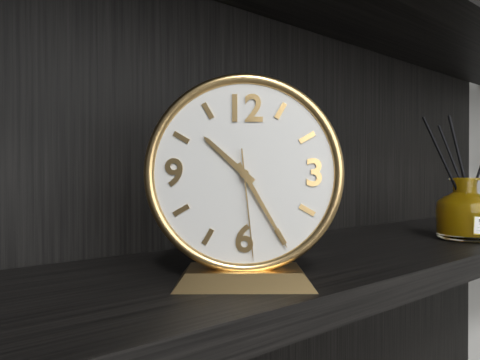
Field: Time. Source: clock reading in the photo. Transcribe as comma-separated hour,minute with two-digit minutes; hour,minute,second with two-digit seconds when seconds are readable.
10,25,29
